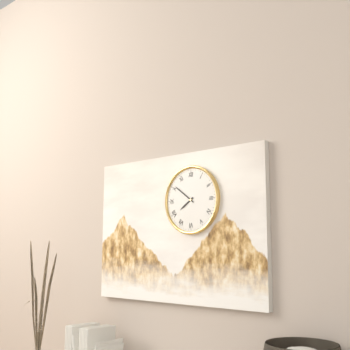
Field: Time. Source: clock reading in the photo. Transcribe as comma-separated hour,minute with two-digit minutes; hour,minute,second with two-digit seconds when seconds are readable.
7,51
